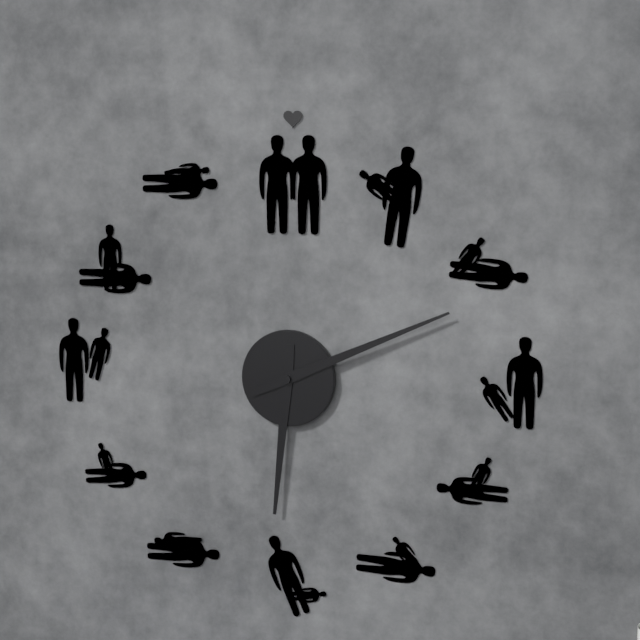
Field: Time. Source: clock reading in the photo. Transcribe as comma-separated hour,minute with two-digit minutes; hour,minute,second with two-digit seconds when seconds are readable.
6,11
